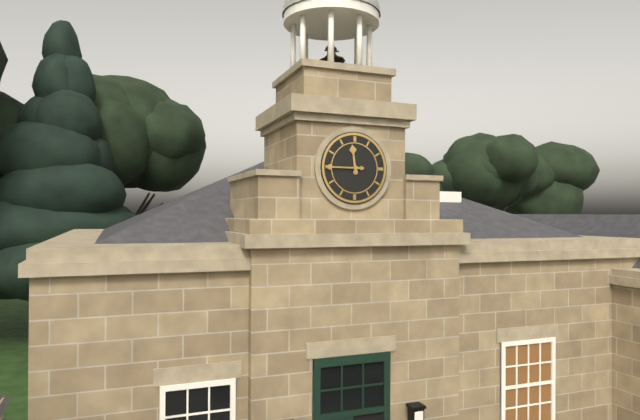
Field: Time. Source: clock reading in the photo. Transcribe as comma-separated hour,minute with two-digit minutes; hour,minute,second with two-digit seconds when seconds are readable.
11,45
